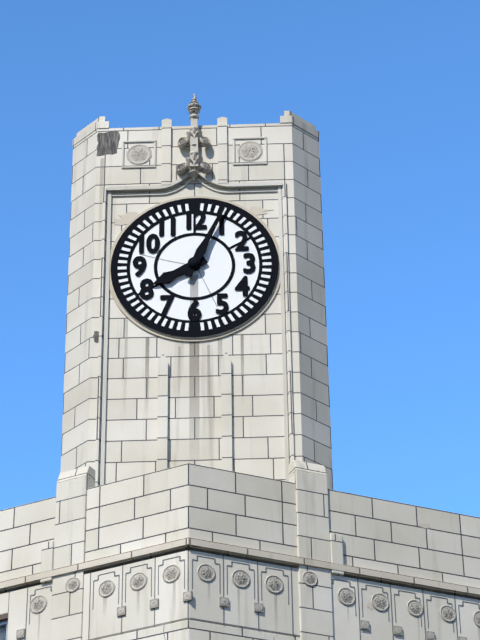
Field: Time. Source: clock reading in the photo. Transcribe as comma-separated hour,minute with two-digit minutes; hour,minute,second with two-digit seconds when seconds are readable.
8,04
